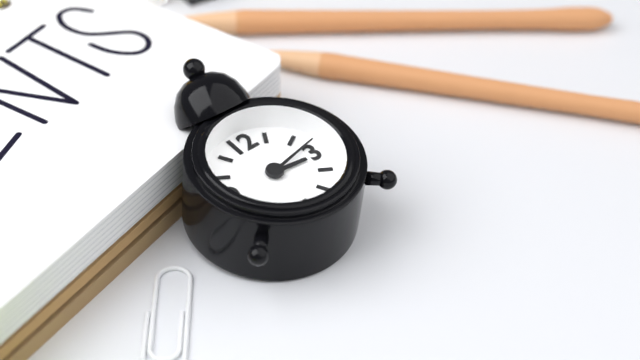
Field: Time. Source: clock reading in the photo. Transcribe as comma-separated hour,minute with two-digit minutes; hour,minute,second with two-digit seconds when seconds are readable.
3,13
